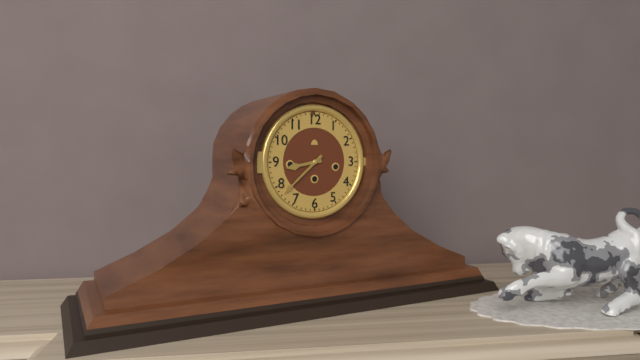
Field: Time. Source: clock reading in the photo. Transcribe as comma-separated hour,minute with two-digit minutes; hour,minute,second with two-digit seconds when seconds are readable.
8,38
